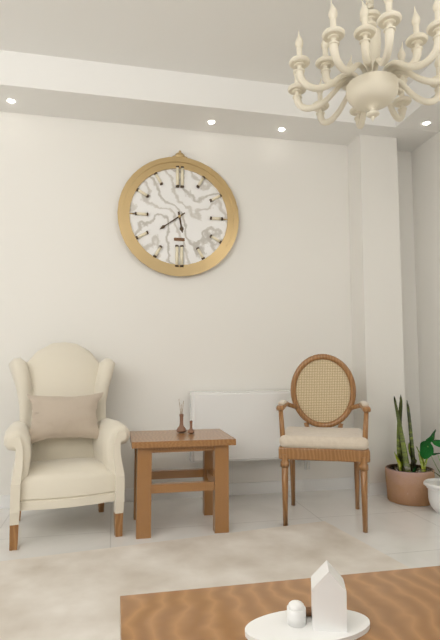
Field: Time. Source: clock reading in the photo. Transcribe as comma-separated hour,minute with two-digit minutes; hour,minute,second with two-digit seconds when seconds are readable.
5,39
